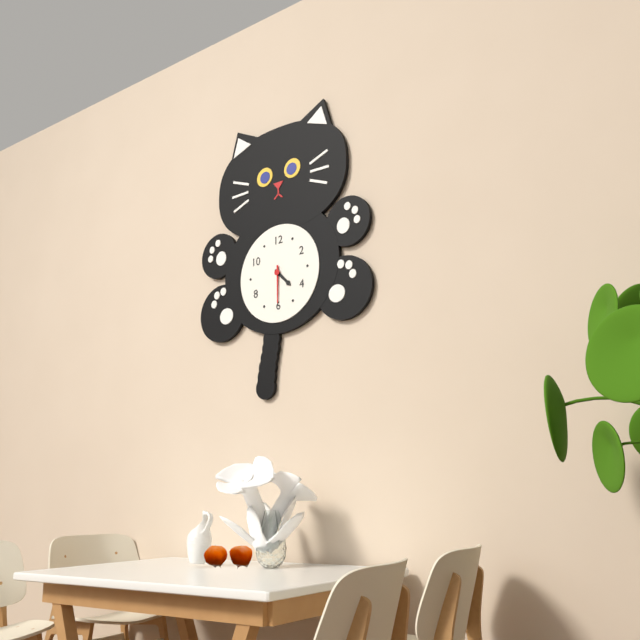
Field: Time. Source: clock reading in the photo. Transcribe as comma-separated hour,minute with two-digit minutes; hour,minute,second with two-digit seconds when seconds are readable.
4,30
